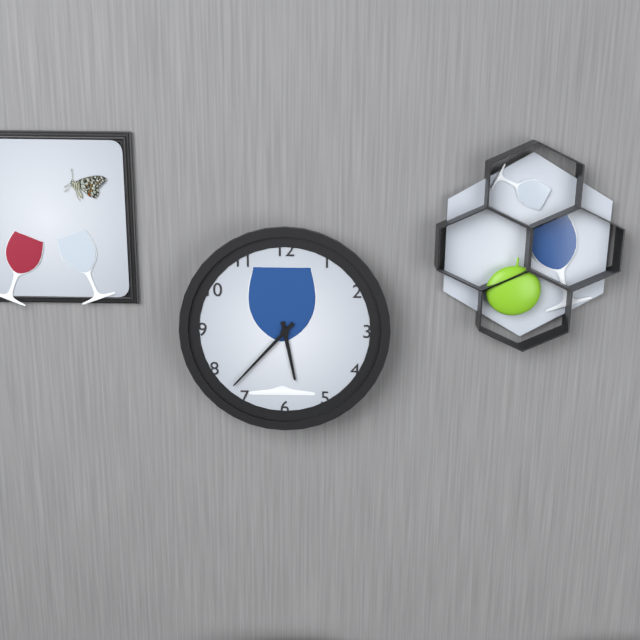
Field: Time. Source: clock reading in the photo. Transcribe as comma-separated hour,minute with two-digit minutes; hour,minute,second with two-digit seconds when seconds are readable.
5,37
